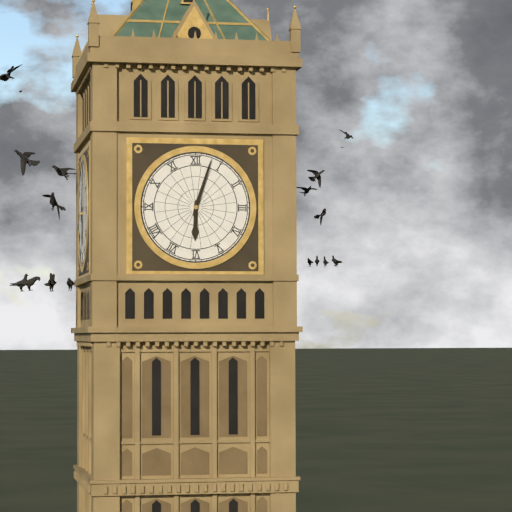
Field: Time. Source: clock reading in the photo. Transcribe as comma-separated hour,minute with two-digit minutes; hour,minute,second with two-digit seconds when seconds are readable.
6,03
